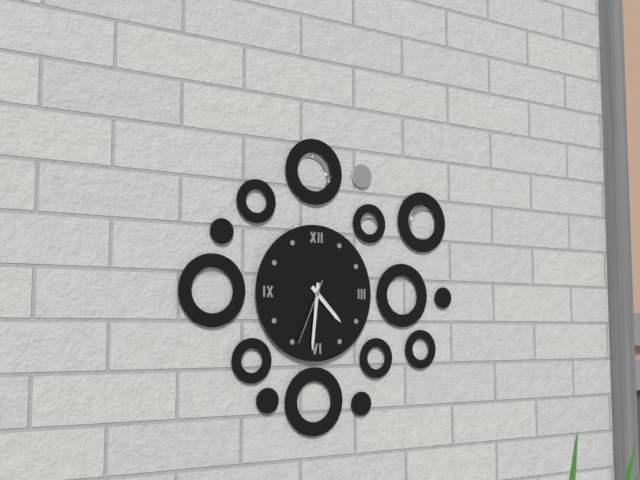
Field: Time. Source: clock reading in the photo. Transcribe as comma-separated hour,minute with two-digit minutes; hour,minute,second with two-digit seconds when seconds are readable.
4,31,34
